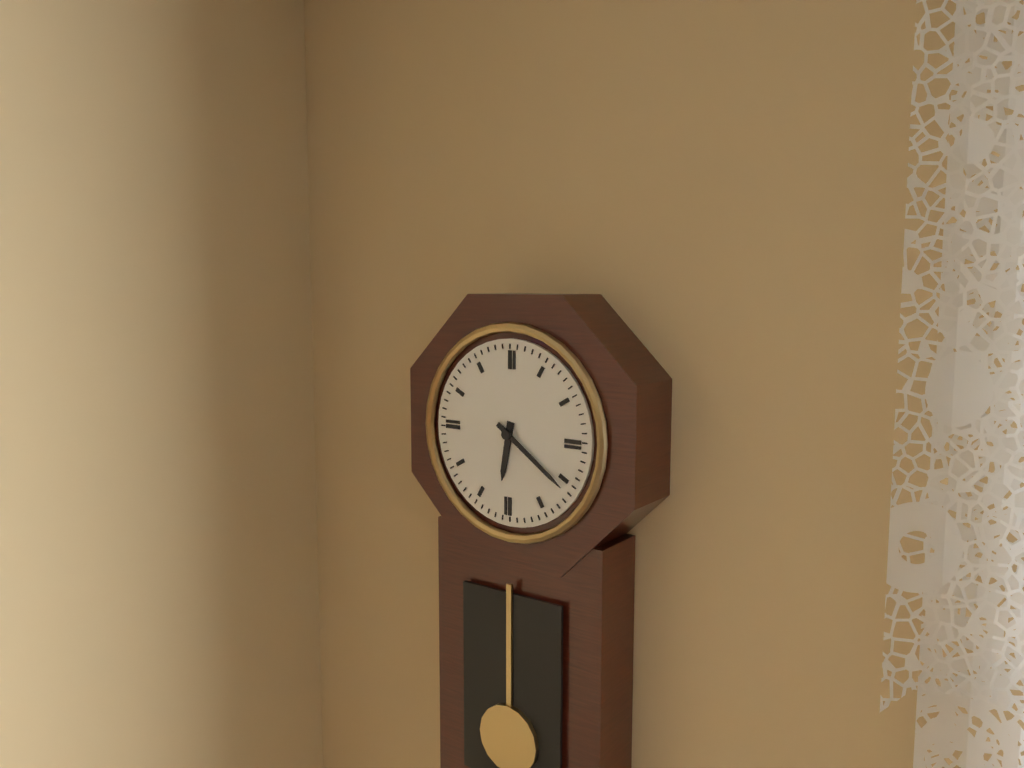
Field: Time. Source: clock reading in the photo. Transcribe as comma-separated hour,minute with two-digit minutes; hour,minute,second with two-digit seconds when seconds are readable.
6,21
